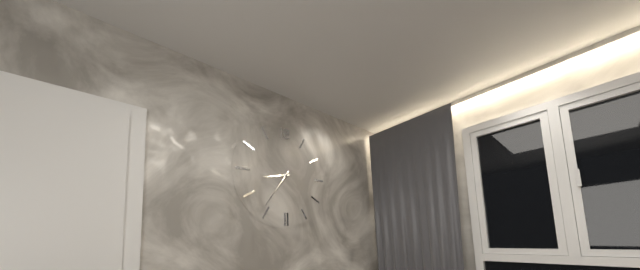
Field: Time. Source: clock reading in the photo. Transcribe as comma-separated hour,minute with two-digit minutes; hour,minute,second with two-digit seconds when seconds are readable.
8,36
